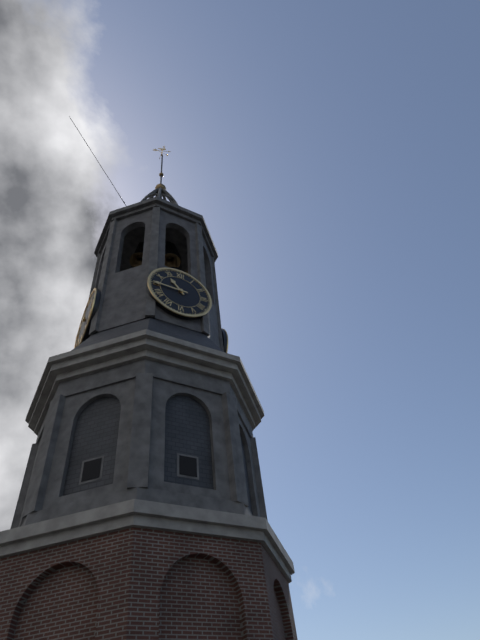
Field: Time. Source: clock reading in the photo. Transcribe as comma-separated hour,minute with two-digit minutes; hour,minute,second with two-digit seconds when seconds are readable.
10,45
